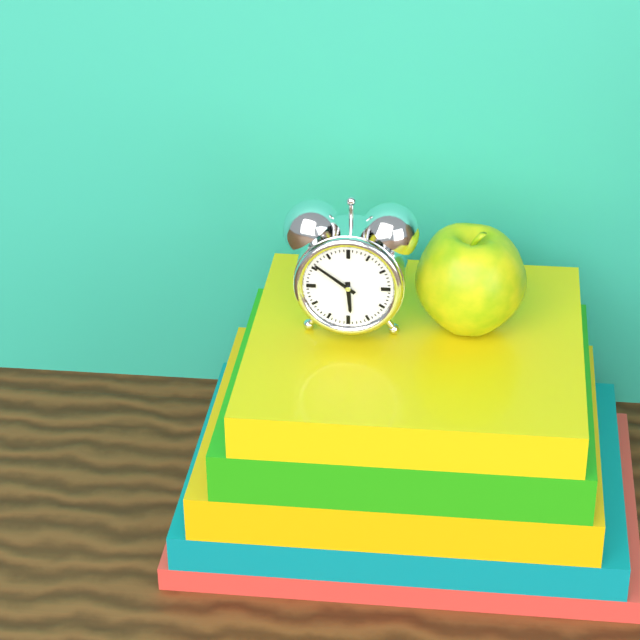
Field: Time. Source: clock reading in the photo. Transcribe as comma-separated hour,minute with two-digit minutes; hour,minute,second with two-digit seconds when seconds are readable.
5,51
